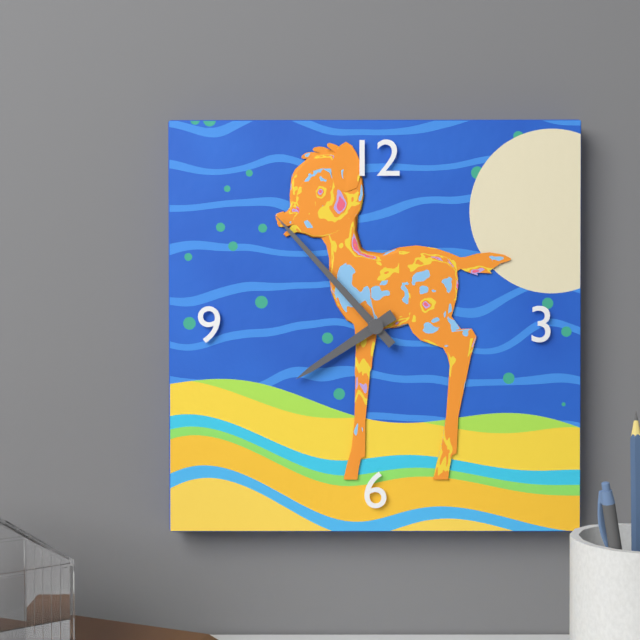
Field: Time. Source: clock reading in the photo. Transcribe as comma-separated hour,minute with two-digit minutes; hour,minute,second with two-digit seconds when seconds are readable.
7,53
